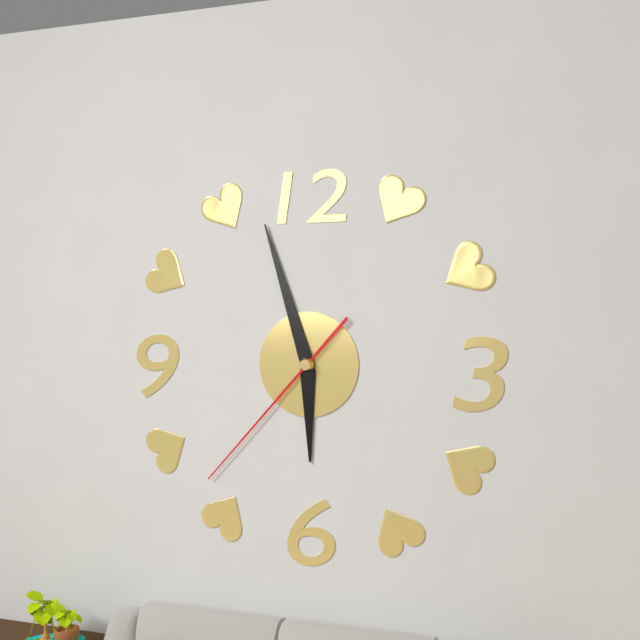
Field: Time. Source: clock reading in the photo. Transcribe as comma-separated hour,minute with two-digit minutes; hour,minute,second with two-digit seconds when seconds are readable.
5,57,37
